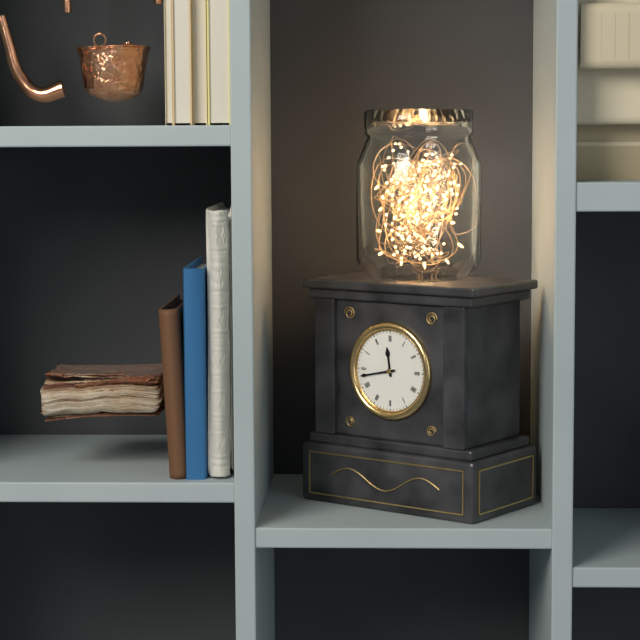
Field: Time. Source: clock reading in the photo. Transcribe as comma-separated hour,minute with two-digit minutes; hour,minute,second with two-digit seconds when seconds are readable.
11,43
